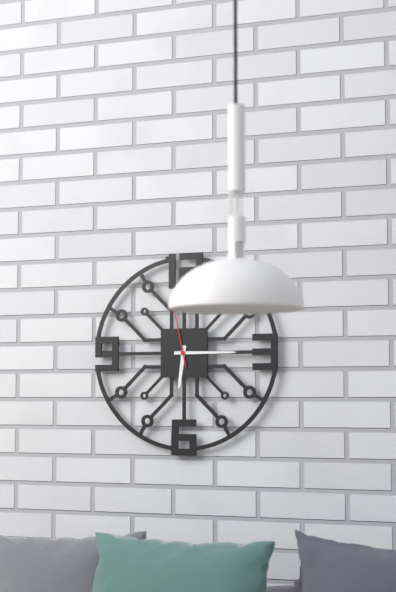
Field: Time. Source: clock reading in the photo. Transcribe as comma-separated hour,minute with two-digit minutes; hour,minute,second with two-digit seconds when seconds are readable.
6,15,58
